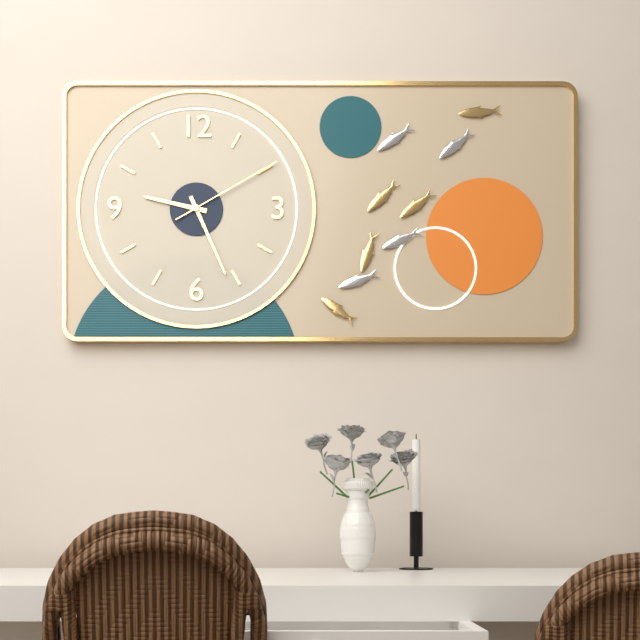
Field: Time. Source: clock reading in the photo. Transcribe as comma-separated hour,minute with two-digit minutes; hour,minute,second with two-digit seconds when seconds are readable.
9,26,10
